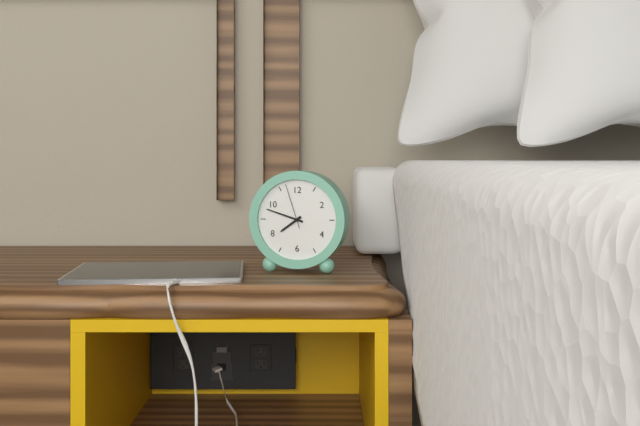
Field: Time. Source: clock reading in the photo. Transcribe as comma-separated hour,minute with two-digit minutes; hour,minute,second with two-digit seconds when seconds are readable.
7,48
